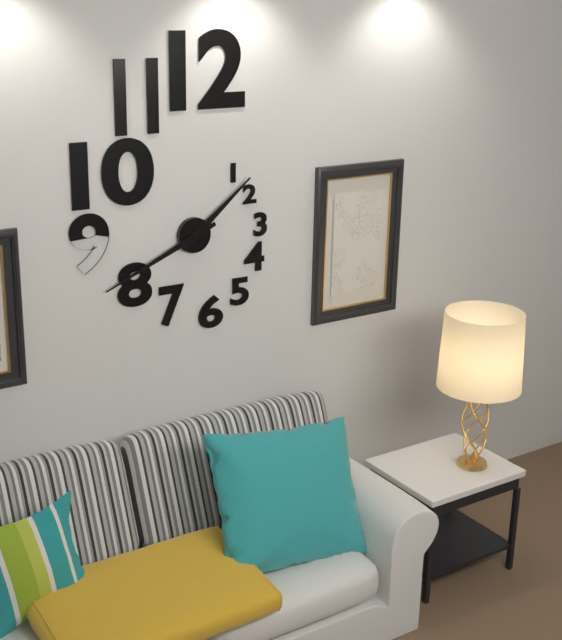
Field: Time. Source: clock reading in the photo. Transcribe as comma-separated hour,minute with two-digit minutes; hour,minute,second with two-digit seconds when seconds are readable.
1,41
